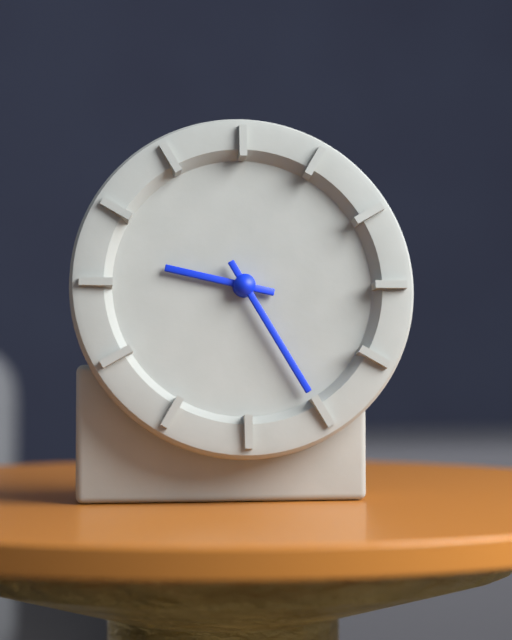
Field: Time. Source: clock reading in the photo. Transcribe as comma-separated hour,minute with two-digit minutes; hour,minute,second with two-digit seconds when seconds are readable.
9,25
